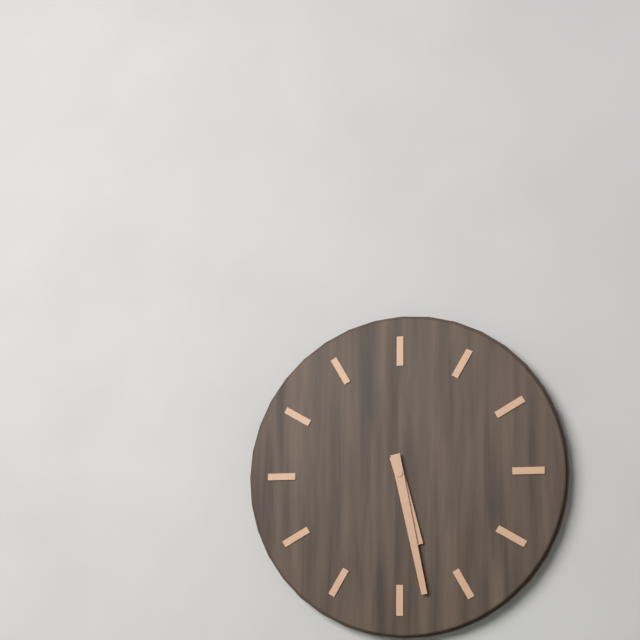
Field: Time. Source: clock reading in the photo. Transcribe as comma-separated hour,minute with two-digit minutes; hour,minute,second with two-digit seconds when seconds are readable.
5,28
